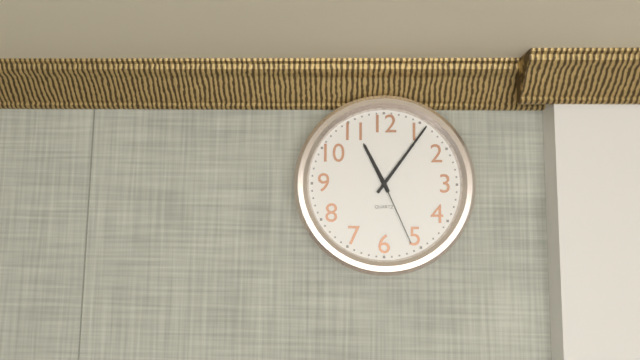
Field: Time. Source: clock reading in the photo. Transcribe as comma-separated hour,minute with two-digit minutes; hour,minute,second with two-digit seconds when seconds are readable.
11,06,26
